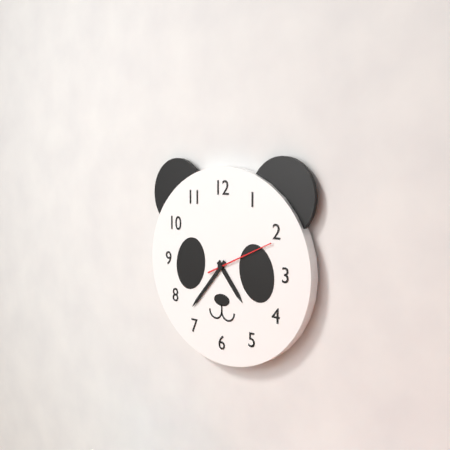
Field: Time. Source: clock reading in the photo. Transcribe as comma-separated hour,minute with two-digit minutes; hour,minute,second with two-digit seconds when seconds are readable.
4,37,11
